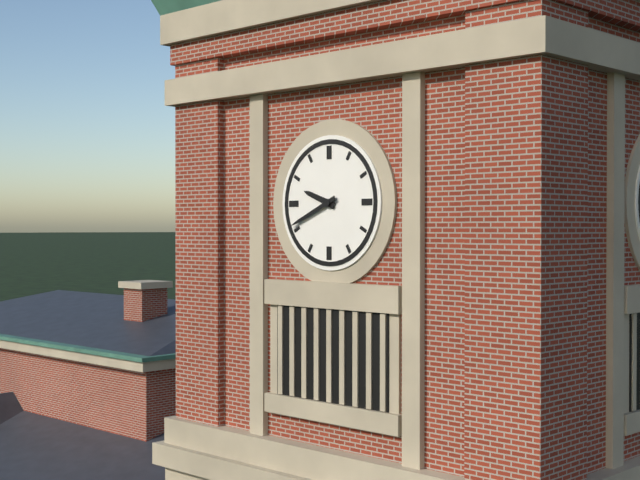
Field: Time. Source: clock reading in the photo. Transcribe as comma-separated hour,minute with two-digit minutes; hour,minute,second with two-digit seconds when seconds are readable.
9,41
